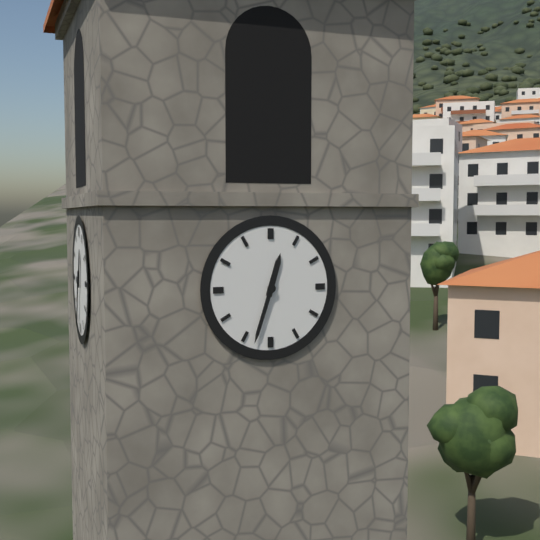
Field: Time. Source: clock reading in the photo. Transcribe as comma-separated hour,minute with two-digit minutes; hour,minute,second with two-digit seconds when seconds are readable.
12,33
